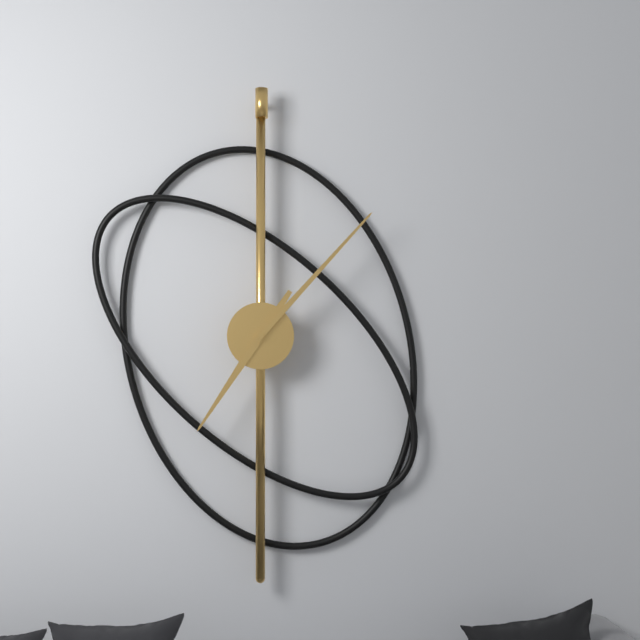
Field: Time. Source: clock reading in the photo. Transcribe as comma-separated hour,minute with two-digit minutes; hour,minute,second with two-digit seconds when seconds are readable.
7,07
